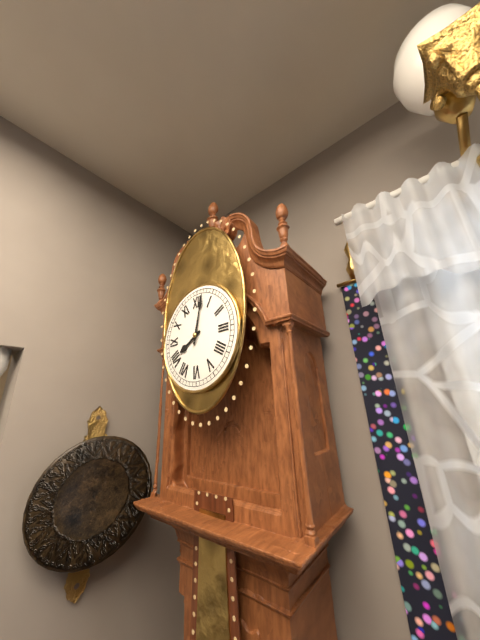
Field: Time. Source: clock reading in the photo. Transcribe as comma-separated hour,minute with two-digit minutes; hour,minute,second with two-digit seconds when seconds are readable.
8,02
